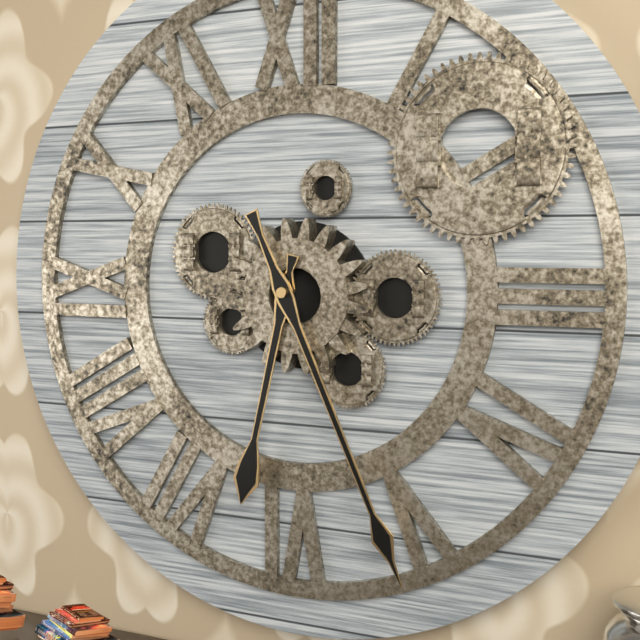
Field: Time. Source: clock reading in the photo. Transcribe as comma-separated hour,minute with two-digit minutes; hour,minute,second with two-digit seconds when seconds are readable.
6,26
